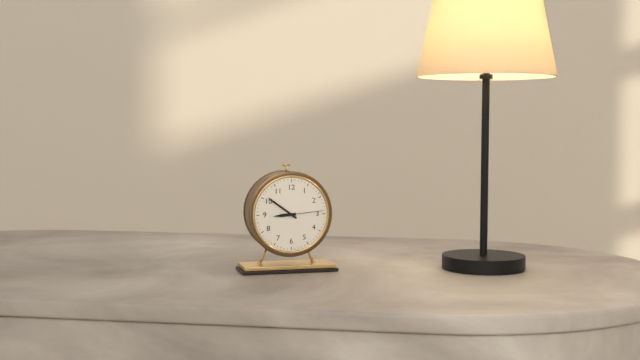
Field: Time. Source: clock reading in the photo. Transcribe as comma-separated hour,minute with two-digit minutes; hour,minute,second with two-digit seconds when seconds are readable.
8,51
